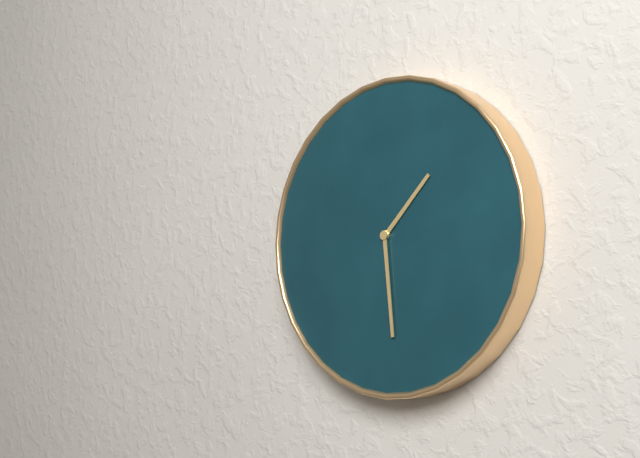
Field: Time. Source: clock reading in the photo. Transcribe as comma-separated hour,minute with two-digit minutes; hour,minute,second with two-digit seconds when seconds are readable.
1,29
